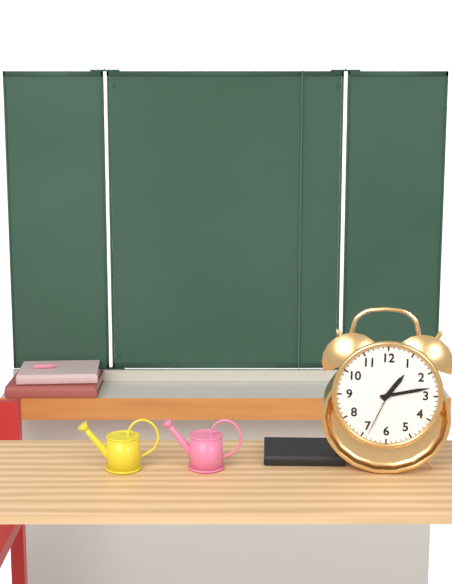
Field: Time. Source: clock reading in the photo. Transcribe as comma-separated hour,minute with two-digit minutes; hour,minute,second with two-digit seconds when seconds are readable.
1,13,34
